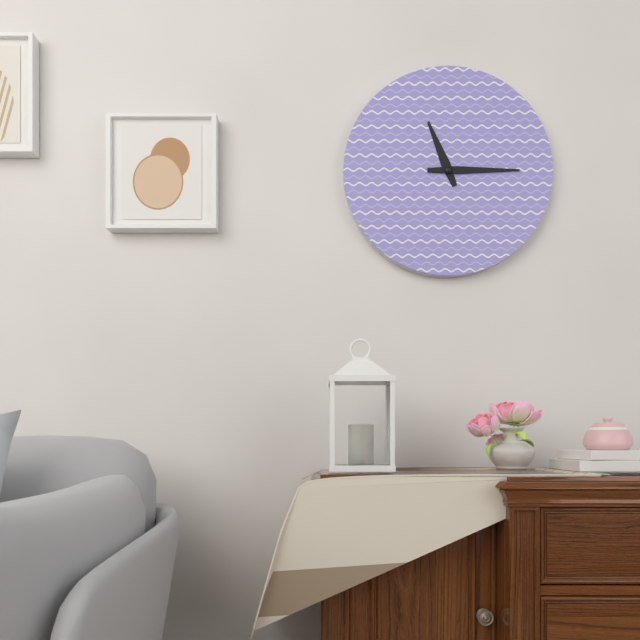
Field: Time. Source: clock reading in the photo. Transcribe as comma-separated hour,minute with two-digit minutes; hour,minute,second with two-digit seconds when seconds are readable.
11,15
